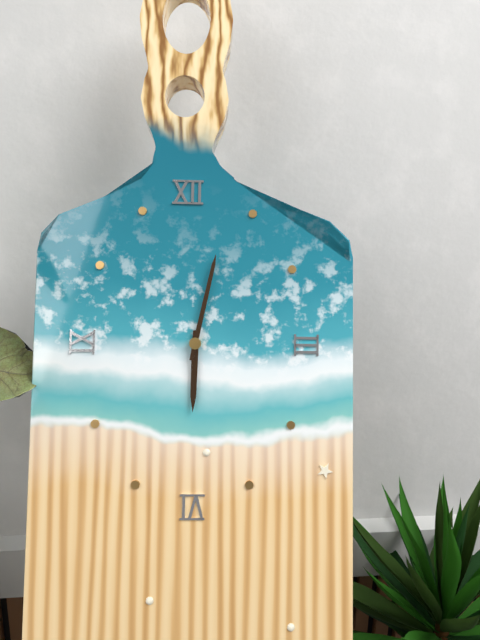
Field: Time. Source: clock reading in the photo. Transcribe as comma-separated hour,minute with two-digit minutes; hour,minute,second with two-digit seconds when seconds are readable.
6,02
